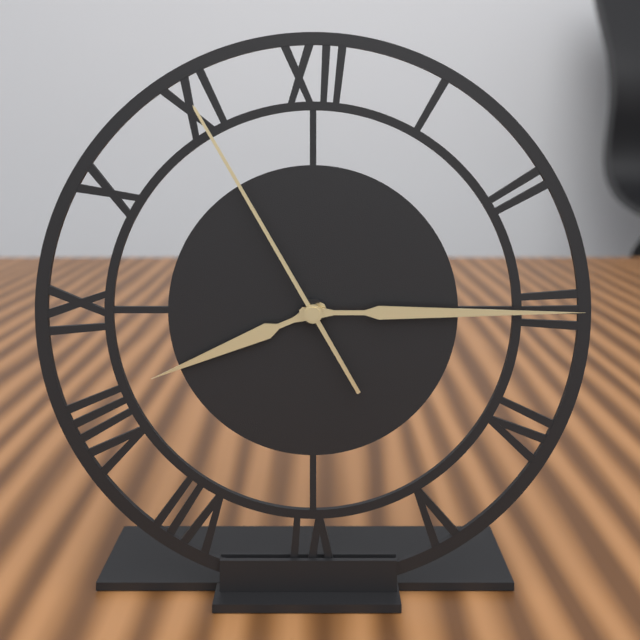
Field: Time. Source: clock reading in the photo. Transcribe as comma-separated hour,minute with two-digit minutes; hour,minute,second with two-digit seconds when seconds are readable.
8,15,55
